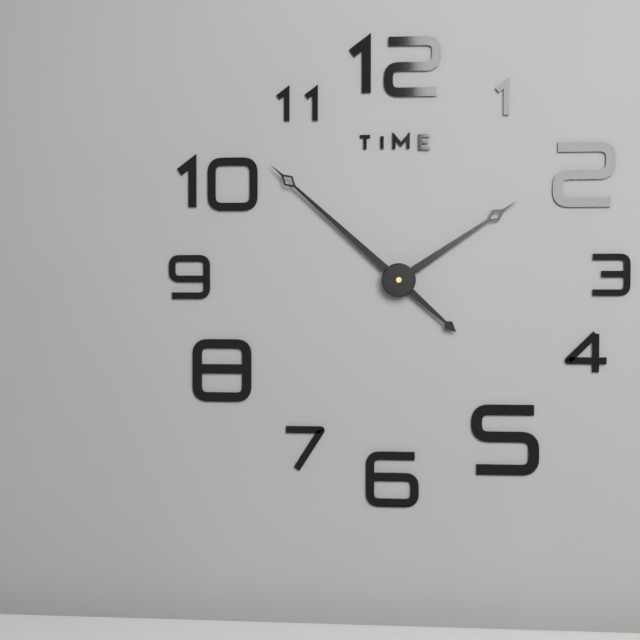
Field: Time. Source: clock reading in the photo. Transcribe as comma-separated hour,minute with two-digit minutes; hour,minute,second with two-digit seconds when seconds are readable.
1,52
